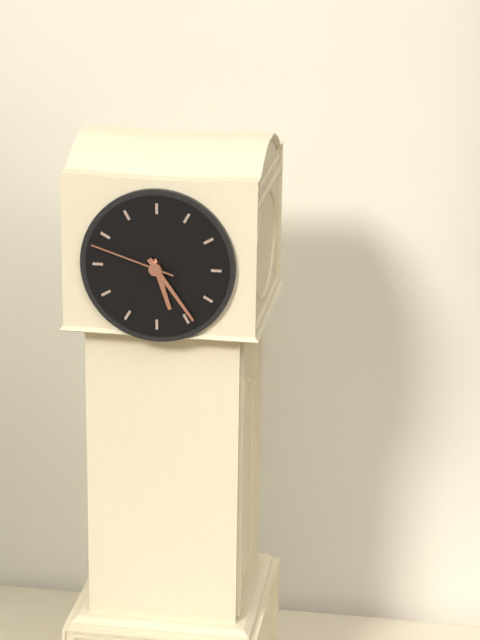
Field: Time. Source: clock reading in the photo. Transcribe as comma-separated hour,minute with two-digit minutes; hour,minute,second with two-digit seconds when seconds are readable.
5,24,48
